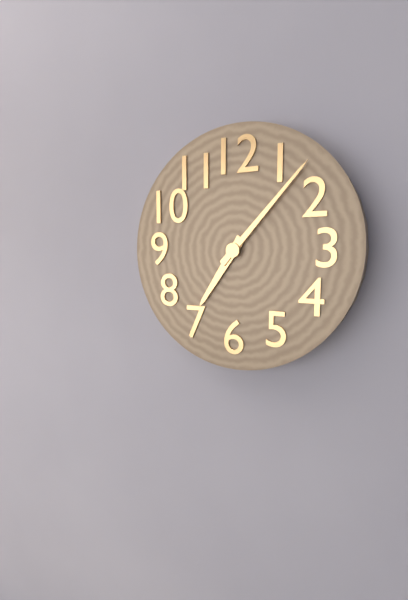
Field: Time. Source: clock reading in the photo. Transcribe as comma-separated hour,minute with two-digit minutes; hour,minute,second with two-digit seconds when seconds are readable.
7,07
